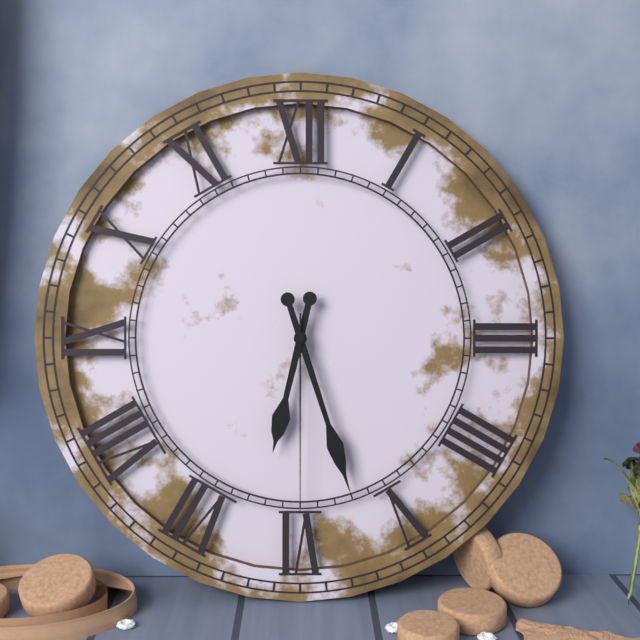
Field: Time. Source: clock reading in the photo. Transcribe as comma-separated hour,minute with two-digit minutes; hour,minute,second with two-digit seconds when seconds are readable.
6,27,30
